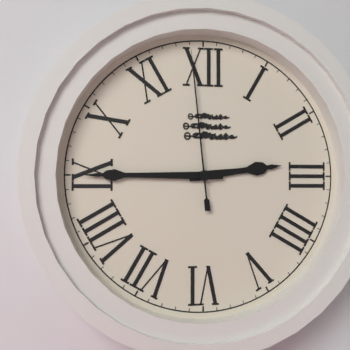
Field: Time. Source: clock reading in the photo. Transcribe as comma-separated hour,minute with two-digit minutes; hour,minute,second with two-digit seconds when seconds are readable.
2,45,59
